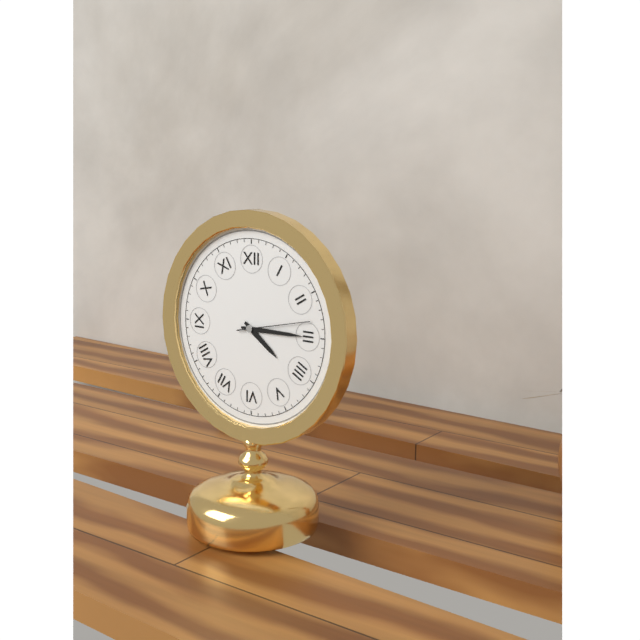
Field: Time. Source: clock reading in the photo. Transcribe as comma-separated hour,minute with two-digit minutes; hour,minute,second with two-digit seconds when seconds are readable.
4,15,13
